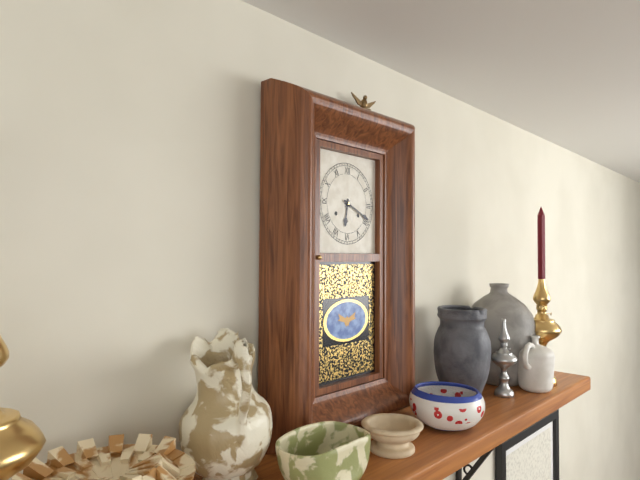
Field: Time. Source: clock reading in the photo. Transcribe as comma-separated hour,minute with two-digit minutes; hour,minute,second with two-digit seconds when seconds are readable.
6,19
